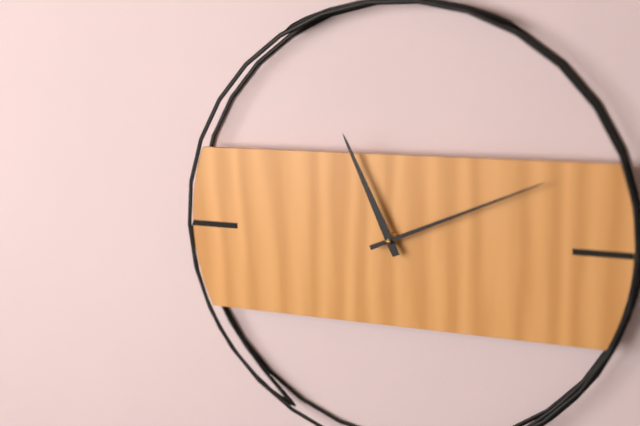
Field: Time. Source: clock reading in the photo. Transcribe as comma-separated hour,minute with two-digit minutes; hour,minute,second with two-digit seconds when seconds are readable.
11,11
